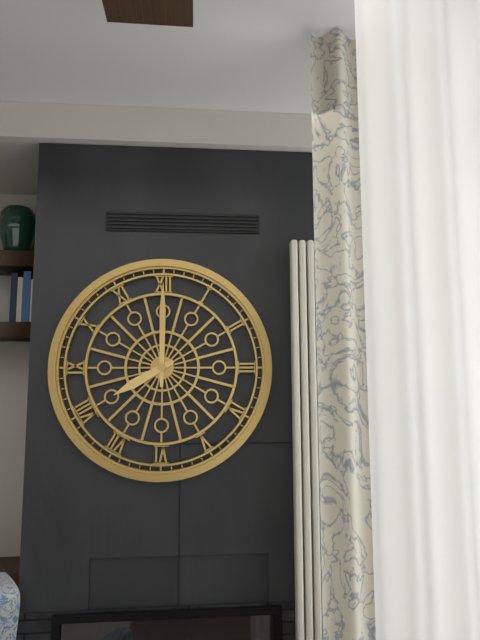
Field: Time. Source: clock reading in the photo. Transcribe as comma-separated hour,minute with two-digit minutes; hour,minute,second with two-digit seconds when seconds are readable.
8,00
